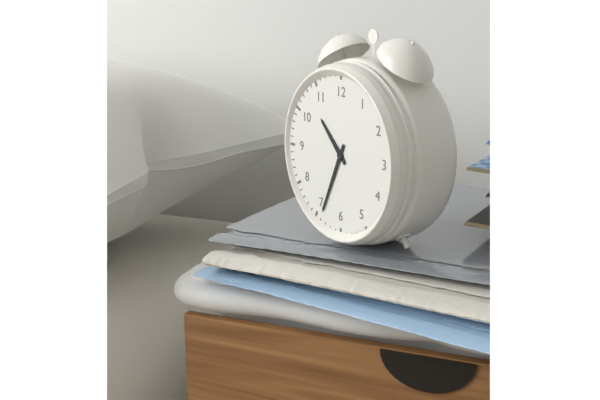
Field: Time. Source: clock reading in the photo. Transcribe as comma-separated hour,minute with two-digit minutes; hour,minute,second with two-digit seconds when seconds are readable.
10,34
